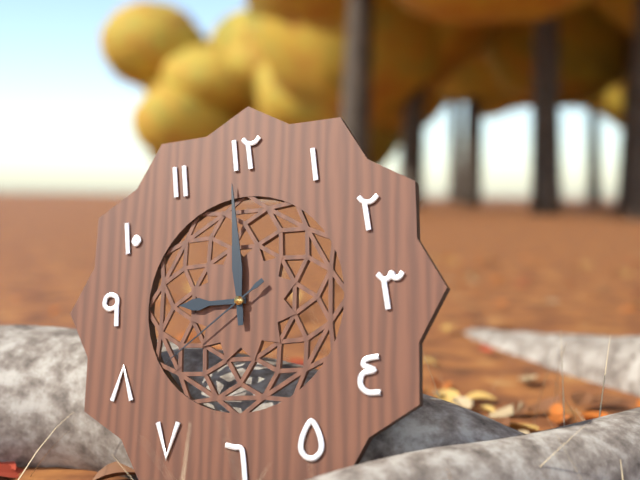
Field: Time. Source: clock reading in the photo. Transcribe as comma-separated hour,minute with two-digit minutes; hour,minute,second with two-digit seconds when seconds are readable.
8,59,39
